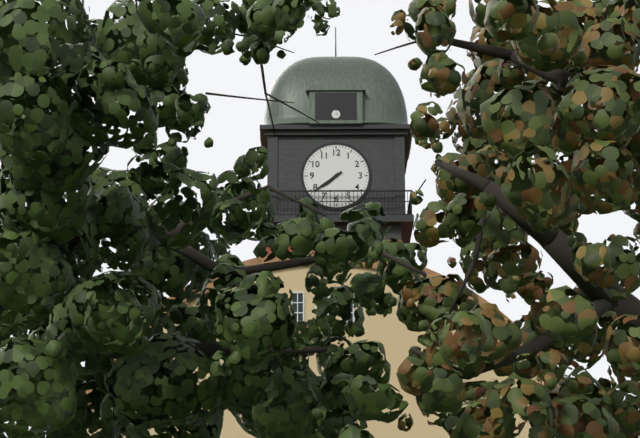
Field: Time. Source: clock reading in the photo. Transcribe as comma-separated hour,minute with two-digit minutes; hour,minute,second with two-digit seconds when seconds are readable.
7,39
